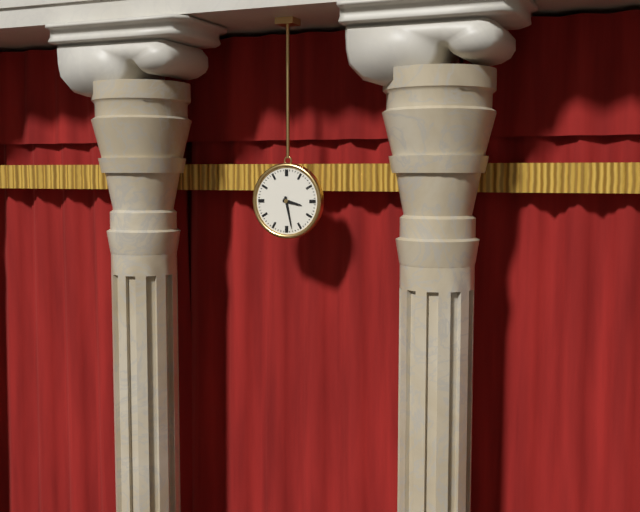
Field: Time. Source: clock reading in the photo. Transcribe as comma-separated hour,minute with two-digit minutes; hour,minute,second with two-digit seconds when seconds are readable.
3,28
